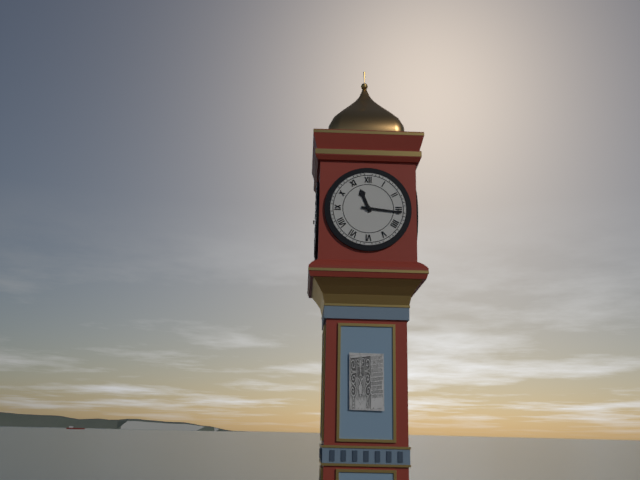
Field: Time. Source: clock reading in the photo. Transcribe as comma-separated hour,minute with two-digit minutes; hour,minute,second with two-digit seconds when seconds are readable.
11,16
